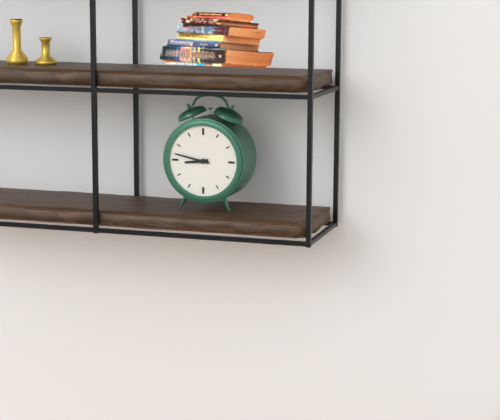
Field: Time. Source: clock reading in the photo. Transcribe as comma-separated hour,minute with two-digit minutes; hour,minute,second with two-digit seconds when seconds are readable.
8,47
